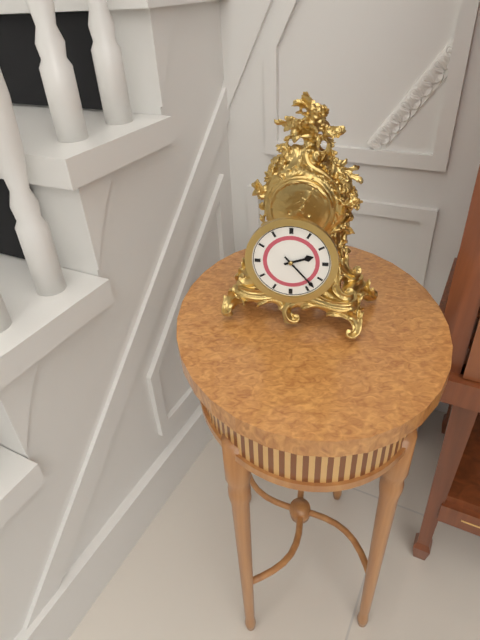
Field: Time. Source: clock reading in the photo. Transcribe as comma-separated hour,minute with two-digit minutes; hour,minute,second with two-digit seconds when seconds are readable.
2,23
